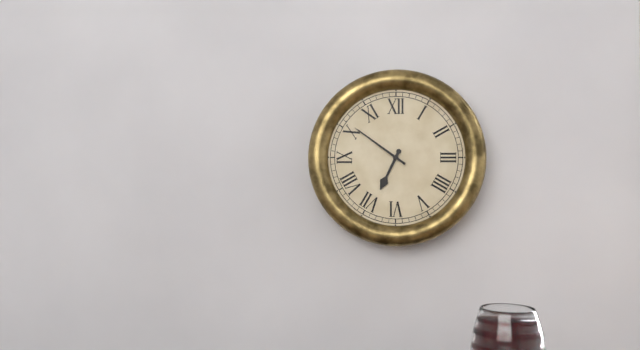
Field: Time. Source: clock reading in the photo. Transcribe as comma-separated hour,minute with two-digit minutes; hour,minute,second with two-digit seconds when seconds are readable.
6,51
